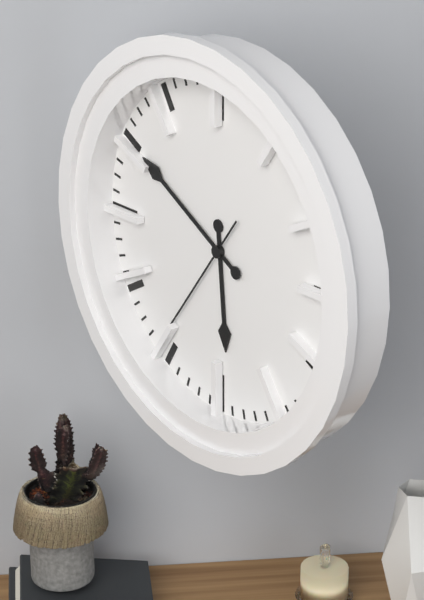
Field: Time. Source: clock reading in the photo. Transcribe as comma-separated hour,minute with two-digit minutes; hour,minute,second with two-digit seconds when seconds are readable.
5,50,36
